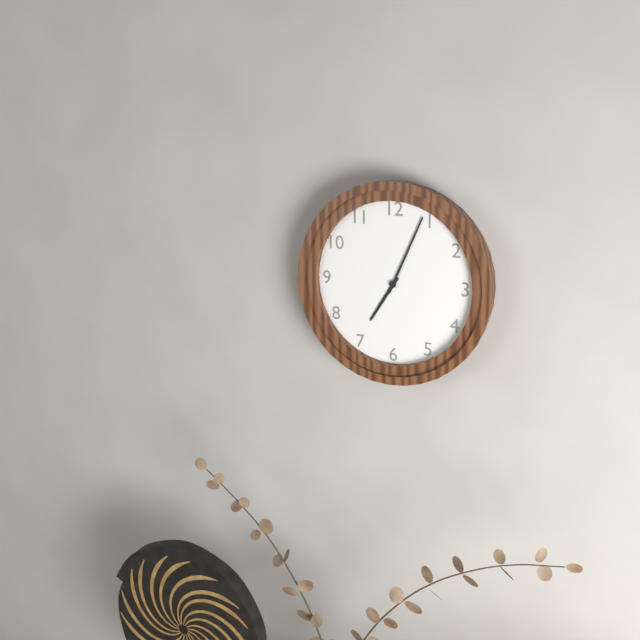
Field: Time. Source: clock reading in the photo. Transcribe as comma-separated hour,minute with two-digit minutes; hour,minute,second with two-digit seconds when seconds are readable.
7,04
